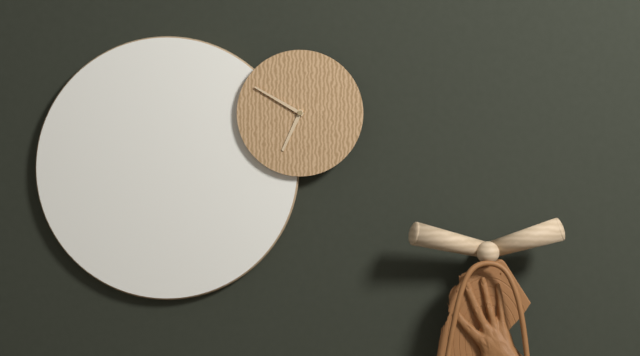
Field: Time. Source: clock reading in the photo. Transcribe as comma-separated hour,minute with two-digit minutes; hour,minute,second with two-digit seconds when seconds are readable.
6,50
